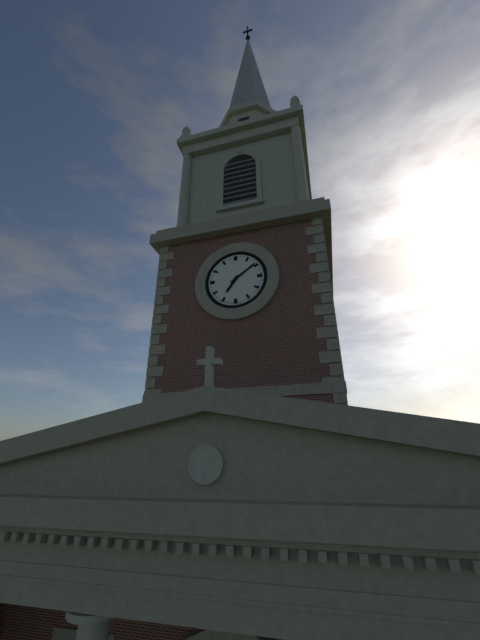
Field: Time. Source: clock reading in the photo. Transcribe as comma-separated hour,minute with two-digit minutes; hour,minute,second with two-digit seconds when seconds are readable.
7,09
